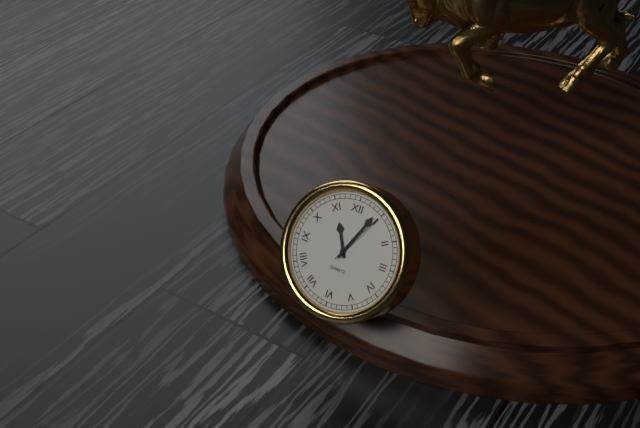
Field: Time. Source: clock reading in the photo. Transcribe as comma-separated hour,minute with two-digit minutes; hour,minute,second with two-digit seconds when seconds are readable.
11,04,05
